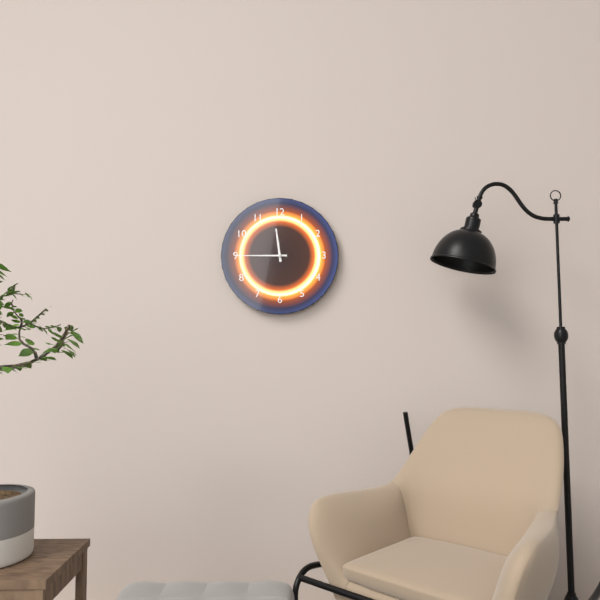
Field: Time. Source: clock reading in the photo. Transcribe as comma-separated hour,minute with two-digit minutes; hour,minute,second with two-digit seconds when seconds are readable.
11,45
